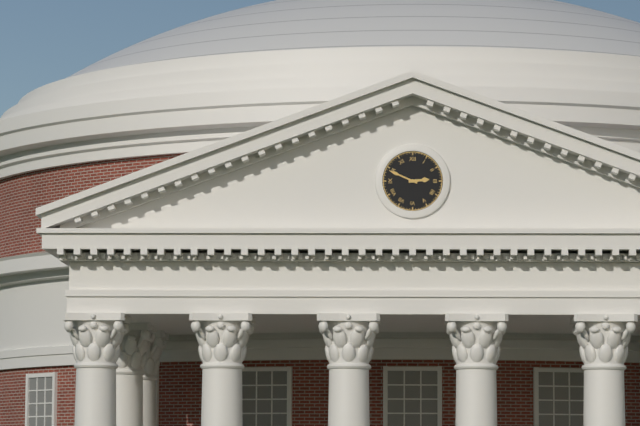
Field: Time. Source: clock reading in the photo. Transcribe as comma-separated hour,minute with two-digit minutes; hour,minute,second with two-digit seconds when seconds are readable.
2,49
